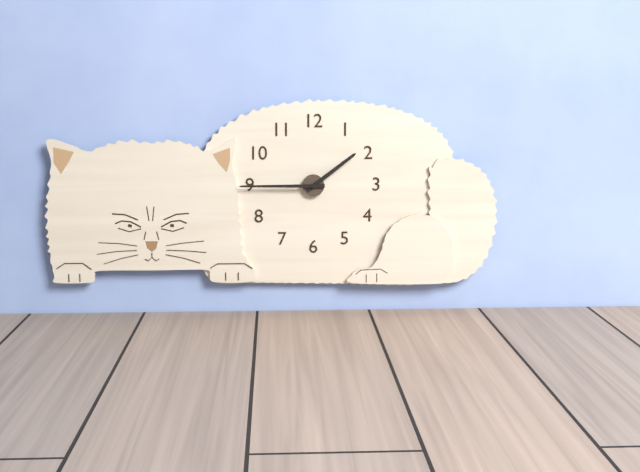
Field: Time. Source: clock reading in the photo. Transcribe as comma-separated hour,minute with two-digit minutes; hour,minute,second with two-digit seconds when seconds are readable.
1,45
